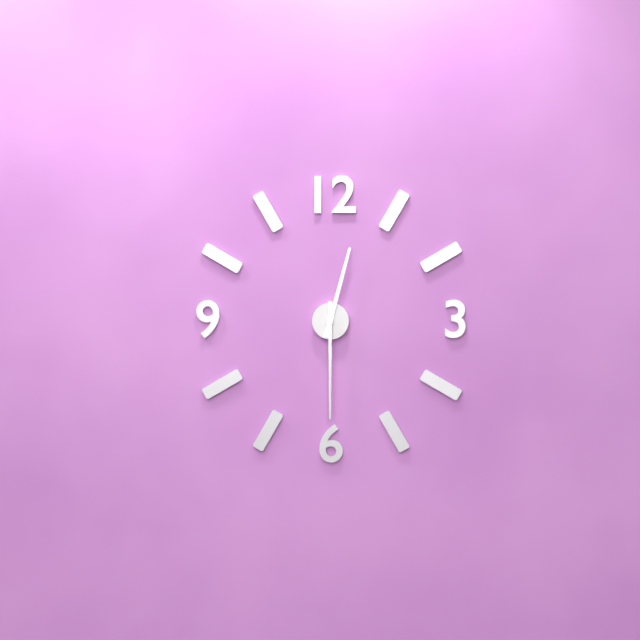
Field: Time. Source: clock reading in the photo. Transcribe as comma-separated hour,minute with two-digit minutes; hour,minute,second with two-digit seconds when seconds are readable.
12,30
